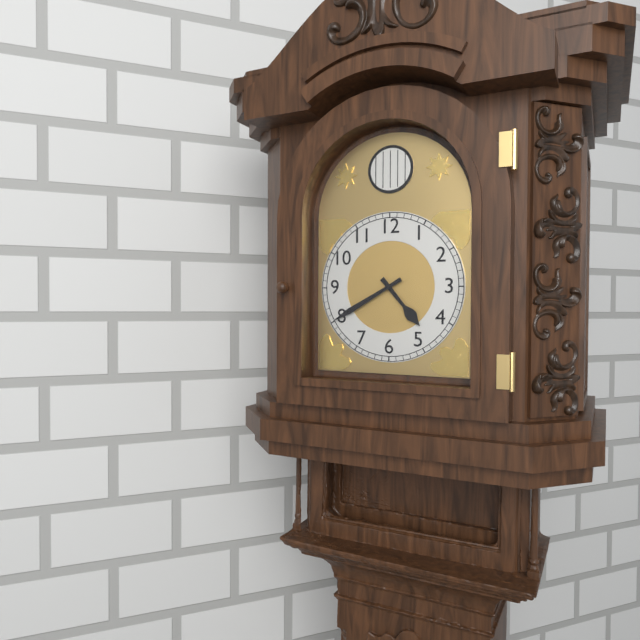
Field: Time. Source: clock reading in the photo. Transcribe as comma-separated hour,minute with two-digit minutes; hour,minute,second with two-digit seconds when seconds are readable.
4,40
